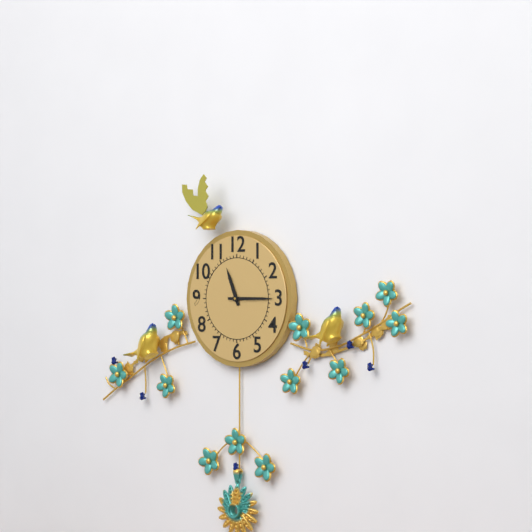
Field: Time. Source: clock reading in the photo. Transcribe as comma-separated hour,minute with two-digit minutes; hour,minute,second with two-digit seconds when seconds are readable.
11,15
